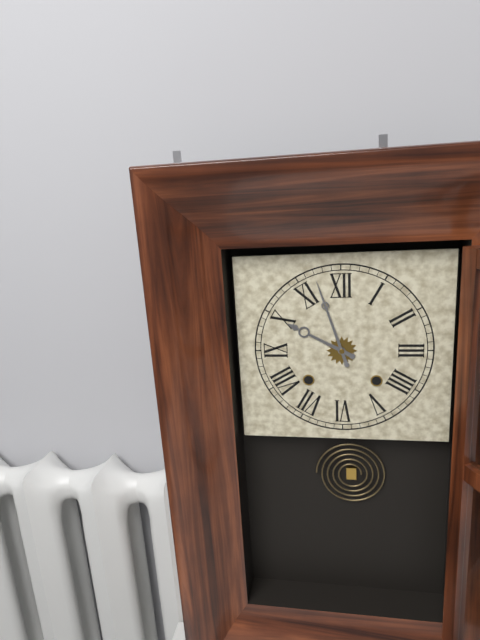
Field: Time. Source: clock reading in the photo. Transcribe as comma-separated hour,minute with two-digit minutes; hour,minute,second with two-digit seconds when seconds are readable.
9,57
